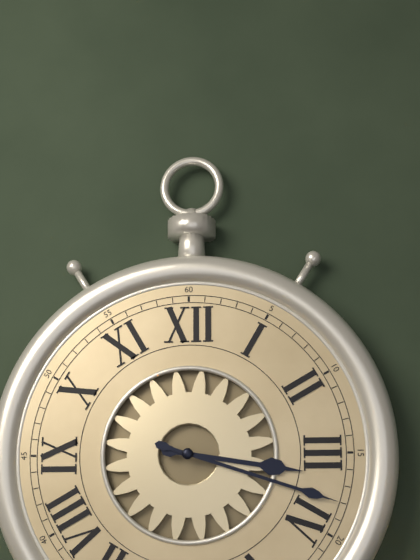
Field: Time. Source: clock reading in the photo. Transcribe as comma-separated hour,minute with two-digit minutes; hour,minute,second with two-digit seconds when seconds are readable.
3,18
